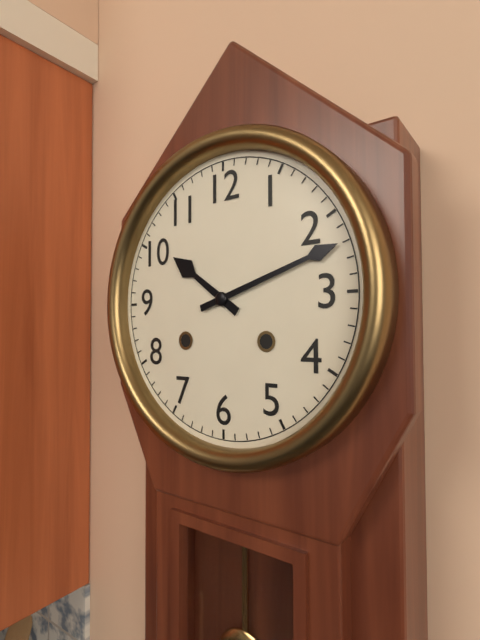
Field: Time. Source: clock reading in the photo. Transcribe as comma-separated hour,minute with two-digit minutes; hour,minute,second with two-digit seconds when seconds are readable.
10,12
